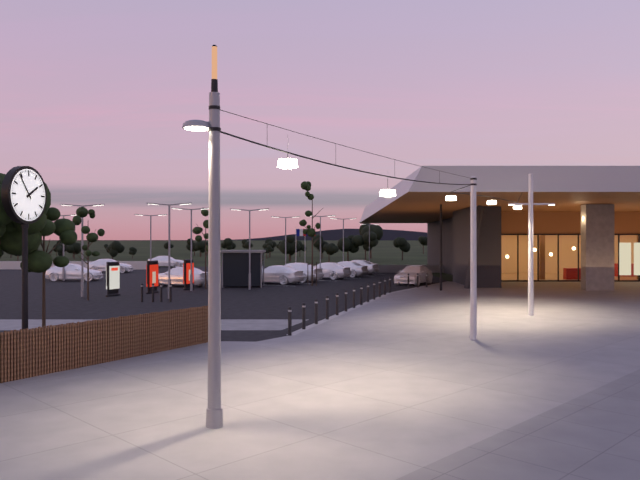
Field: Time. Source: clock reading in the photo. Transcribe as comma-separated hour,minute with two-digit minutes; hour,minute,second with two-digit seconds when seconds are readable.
1,54
